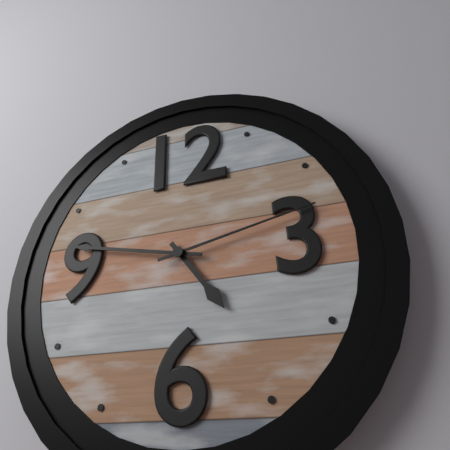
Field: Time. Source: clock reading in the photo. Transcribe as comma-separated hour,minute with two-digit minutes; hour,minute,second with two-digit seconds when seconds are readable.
4,47,13
